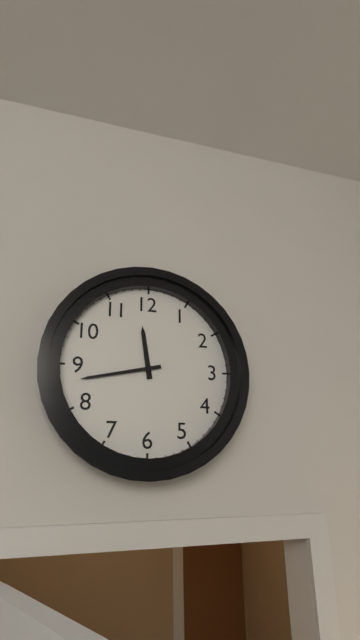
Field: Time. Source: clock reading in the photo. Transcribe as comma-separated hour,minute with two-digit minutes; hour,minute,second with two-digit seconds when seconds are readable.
11,43
